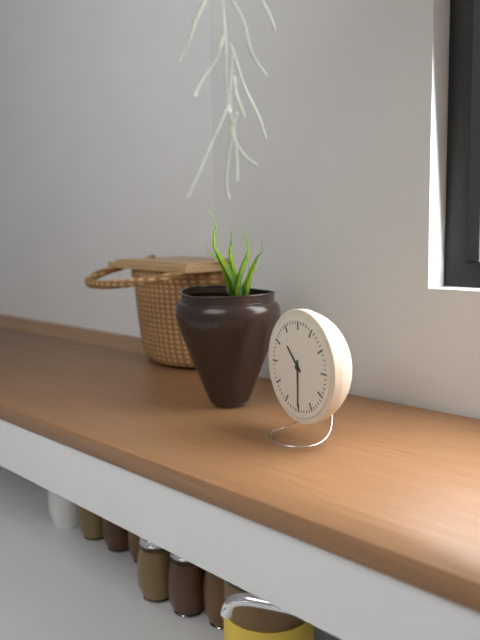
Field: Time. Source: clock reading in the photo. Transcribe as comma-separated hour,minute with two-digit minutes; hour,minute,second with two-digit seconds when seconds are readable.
10,30
